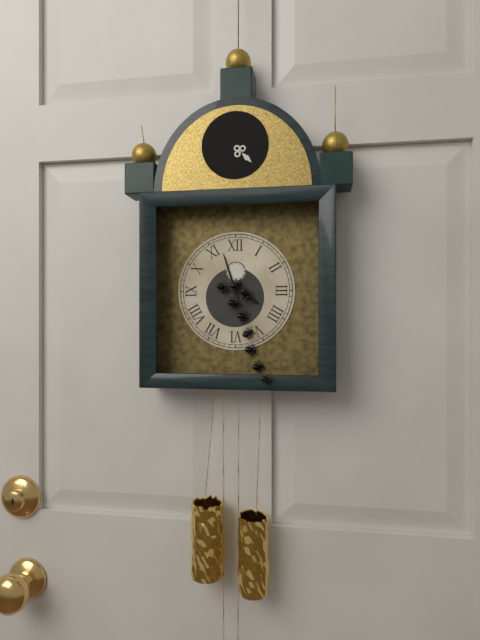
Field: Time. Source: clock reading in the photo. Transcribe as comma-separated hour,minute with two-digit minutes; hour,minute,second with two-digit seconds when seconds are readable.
3,57
